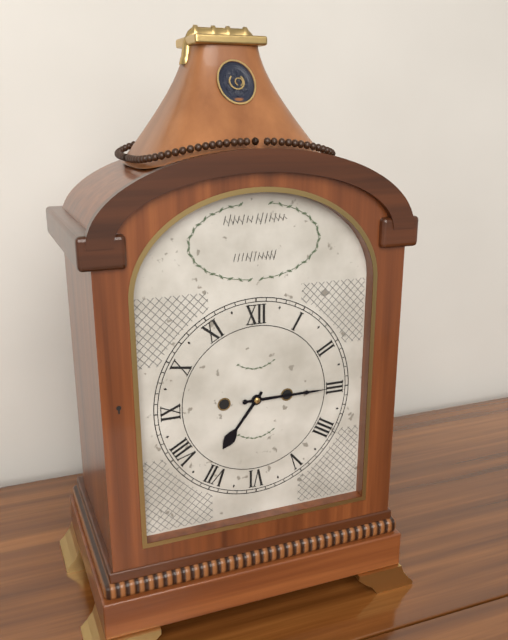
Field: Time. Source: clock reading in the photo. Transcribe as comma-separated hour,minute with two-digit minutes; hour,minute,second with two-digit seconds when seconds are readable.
7,15
